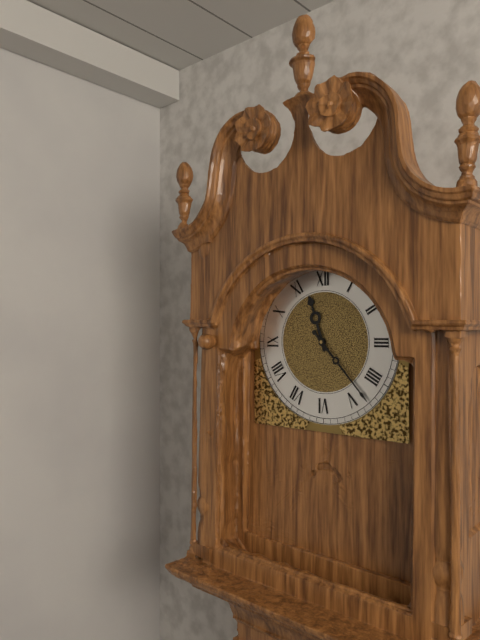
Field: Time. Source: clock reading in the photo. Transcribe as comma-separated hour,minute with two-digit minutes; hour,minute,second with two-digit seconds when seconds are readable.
11,23
